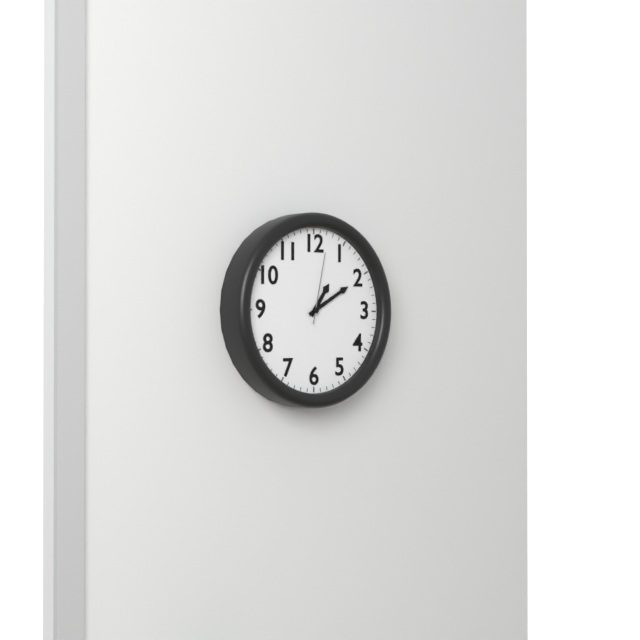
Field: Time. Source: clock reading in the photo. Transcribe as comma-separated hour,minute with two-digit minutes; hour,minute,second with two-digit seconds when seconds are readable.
1,10,02
